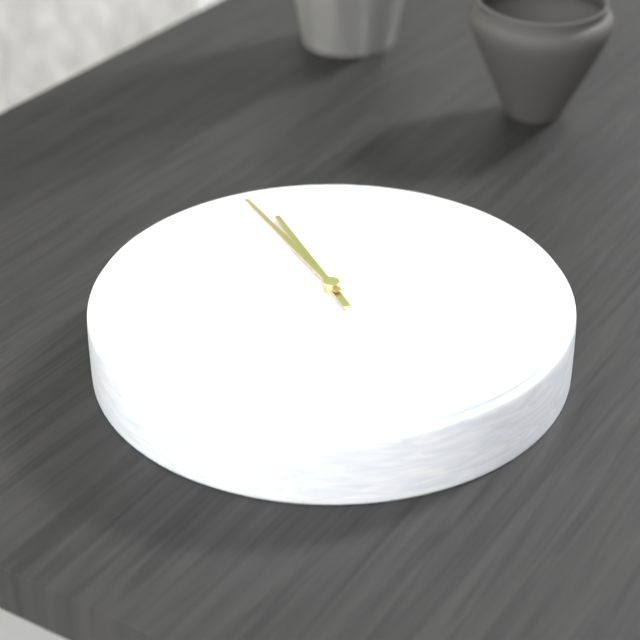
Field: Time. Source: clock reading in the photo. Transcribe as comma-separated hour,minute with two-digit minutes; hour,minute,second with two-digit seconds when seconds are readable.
11,59
